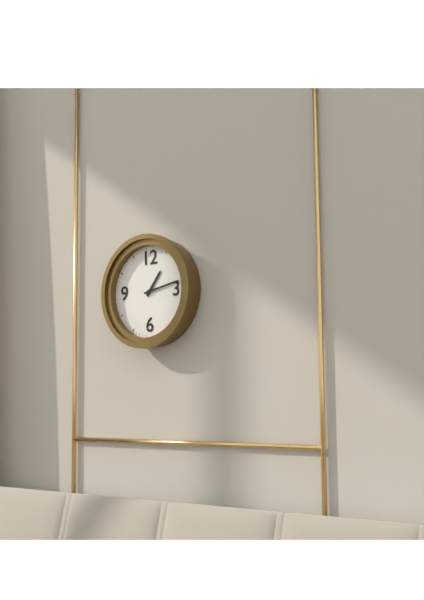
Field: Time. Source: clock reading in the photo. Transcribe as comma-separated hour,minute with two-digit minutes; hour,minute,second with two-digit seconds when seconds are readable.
1,13
